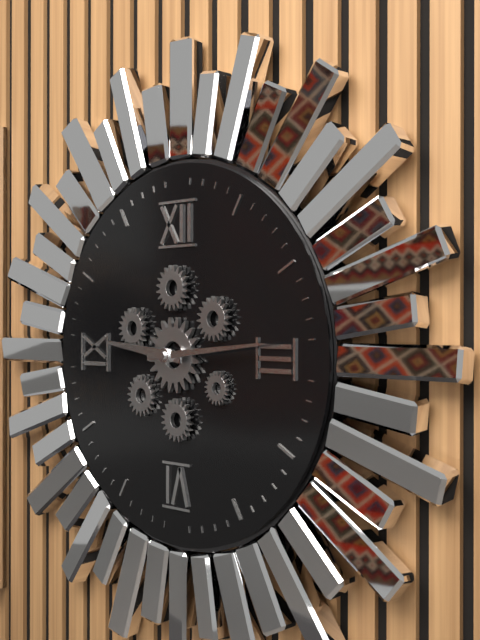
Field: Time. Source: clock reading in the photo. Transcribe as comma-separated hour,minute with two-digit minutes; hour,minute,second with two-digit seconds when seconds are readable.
9,14
